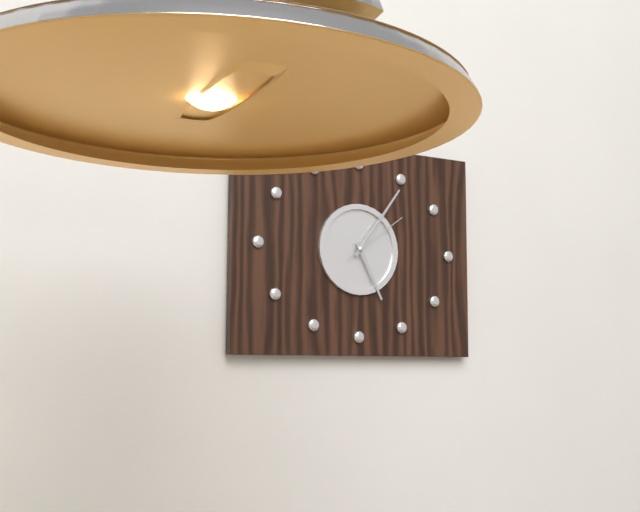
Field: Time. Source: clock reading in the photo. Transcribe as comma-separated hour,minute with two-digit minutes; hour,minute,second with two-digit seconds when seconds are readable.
5,06,09
